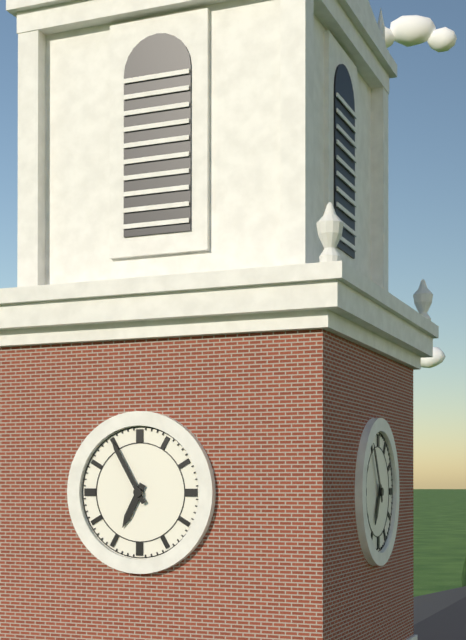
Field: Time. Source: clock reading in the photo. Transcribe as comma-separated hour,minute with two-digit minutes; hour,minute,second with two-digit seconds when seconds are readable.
6,55
